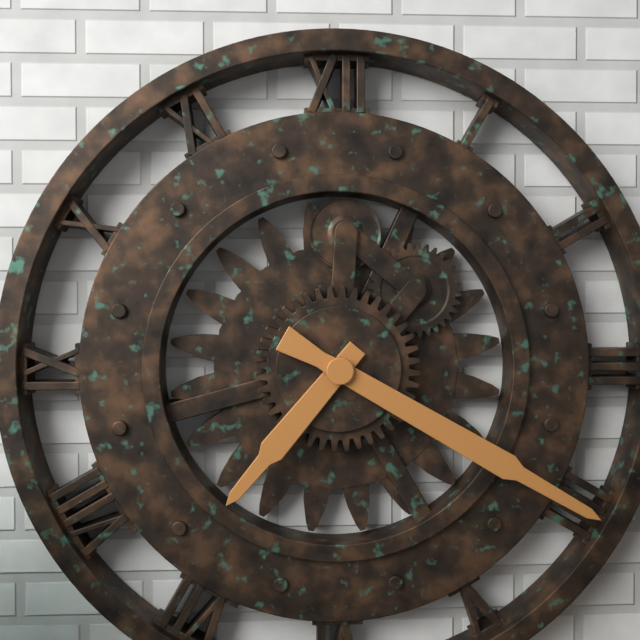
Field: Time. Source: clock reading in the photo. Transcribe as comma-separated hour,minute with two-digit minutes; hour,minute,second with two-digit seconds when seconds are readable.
7,20
